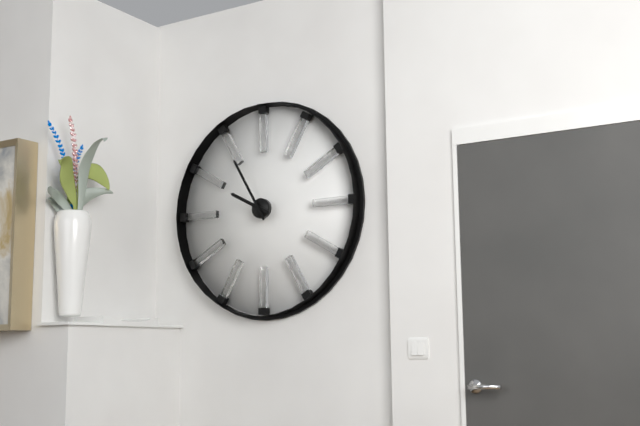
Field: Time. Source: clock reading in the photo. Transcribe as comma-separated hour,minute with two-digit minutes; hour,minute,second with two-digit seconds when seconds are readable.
9,55
